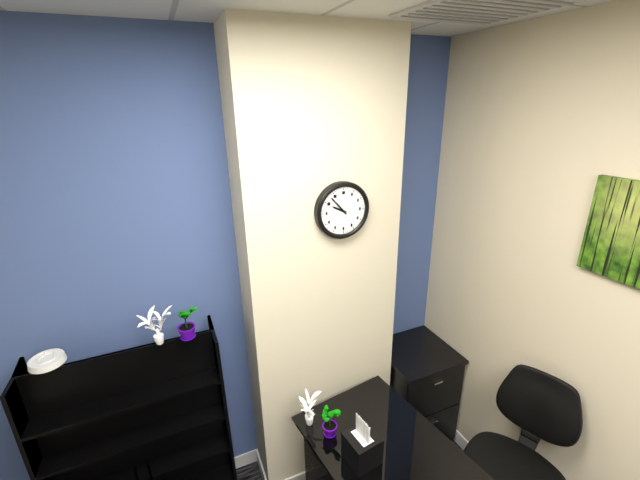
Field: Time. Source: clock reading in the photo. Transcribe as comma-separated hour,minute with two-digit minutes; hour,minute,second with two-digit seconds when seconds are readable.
9,53
